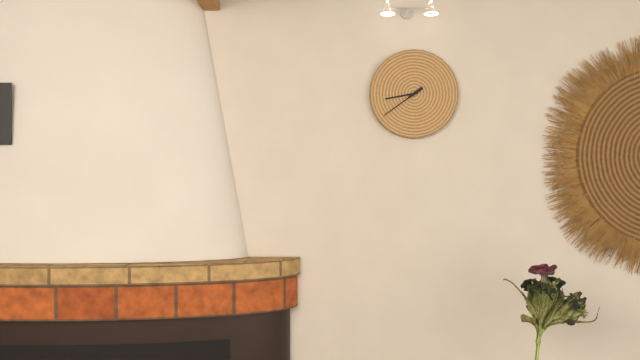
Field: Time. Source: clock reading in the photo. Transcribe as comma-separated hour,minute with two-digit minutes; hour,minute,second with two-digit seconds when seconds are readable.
8,39
